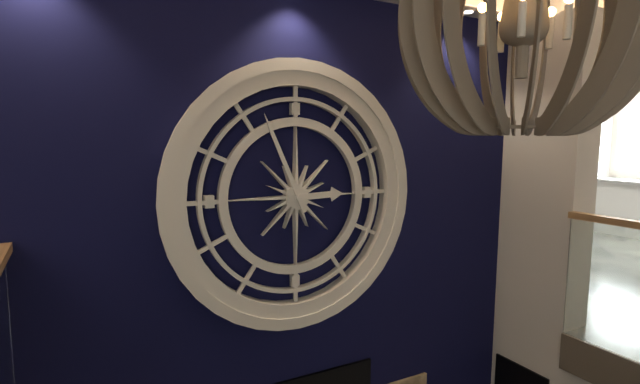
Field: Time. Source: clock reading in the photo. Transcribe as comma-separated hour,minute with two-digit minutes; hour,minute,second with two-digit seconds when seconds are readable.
2,56
